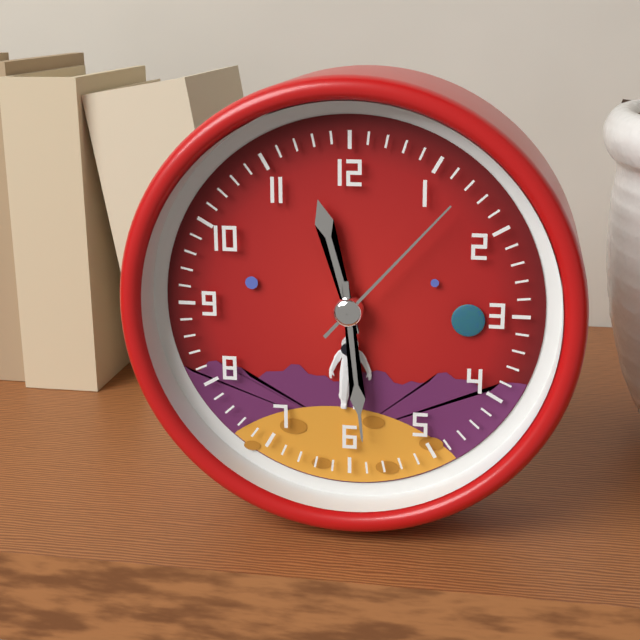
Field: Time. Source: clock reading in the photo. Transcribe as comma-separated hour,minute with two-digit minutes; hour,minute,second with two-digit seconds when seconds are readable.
11,29,07
